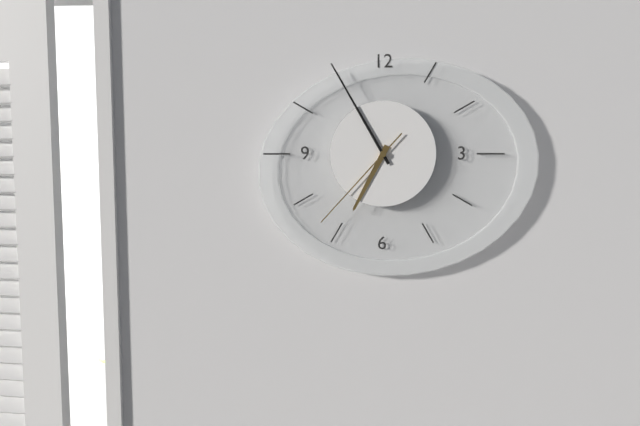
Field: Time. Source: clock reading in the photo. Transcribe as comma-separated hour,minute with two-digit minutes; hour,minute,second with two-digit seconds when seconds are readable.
6,55,37
